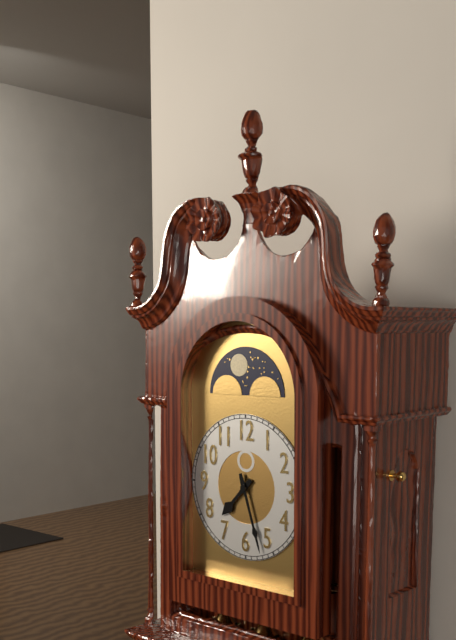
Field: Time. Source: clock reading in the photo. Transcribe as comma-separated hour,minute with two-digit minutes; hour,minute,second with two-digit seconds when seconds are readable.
7,27
